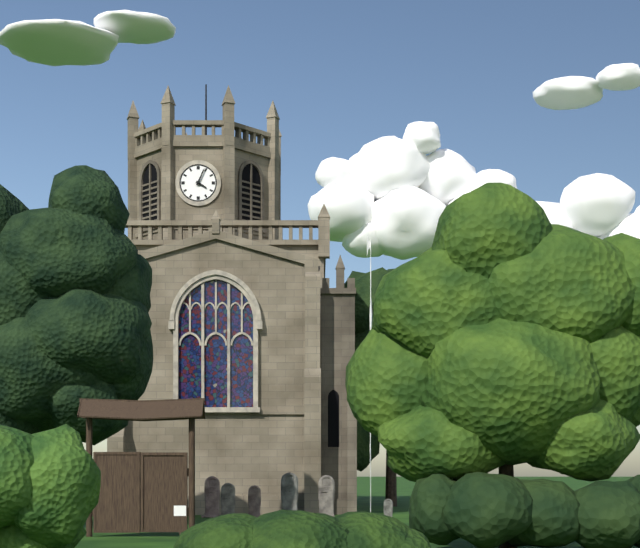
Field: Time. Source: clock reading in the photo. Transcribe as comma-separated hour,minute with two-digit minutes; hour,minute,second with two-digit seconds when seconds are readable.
4,04
